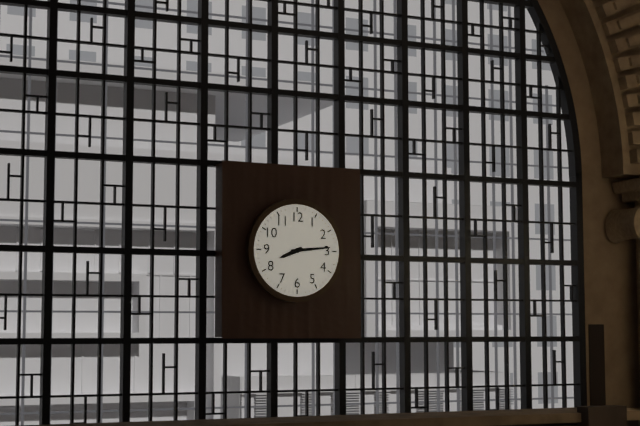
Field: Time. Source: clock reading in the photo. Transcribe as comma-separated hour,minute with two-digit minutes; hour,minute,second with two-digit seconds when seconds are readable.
8,14
